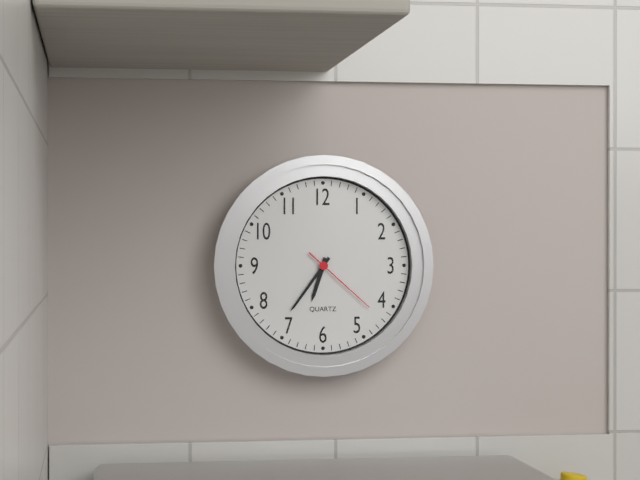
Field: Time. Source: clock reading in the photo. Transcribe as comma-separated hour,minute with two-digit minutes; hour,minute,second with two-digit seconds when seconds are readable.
6,36,22
